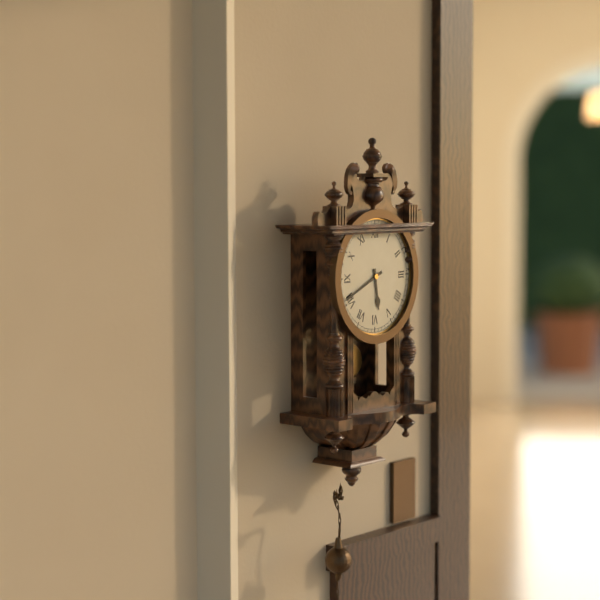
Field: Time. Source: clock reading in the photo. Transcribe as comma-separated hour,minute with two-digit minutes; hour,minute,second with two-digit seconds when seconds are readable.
5,41
